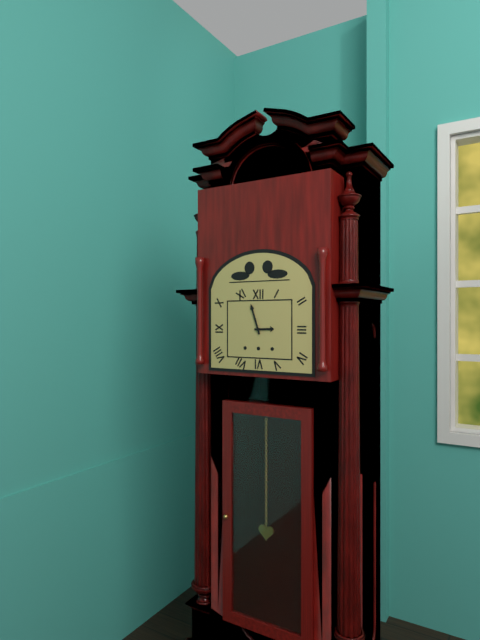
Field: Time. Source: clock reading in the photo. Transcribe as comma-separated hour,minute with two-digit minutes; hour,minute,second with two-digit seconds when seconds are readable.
2,57
